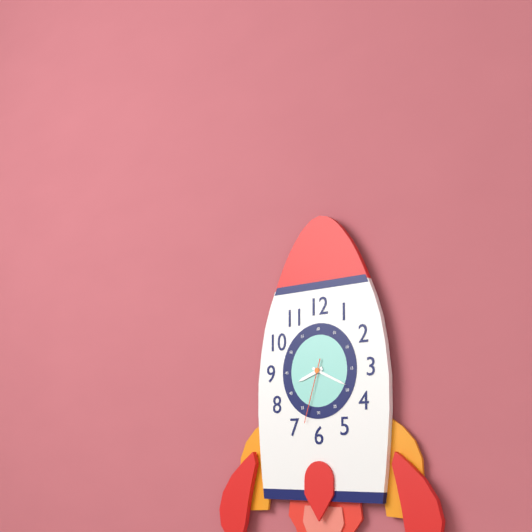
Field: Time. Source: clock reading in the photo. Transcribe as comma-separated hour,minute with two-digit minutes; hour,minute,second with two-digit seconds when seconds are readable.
8,19,33
